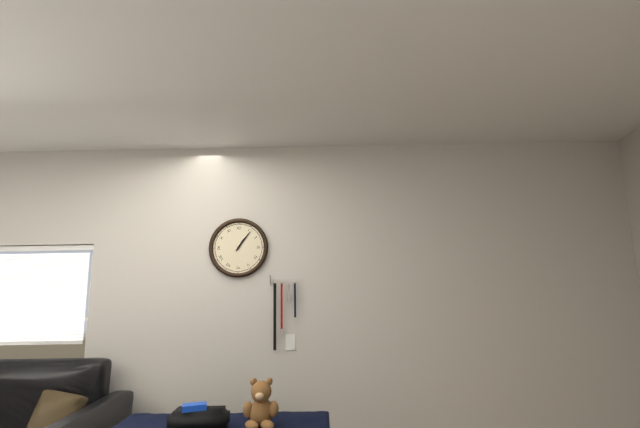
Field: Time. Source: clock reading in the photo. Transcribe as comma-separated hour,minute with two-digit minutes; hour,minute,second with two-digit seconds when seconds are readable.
1,06
